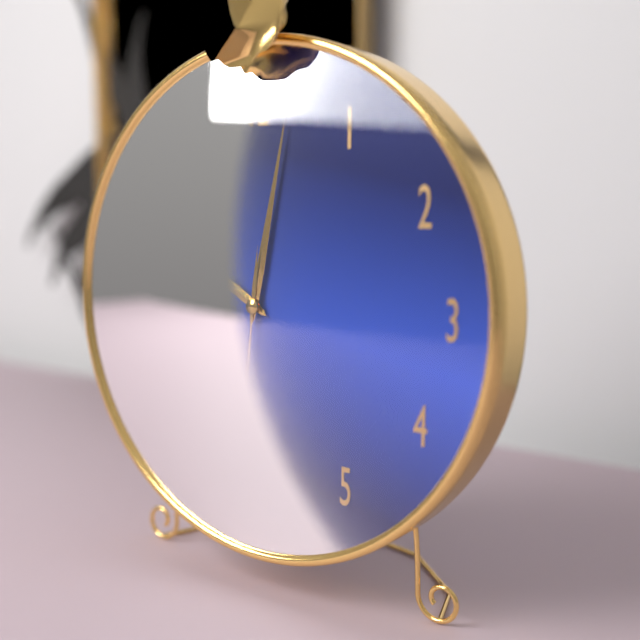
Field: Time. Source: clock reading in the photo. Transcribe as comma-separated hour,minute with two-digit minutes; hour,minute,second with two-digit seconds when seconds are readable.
10,02,31
